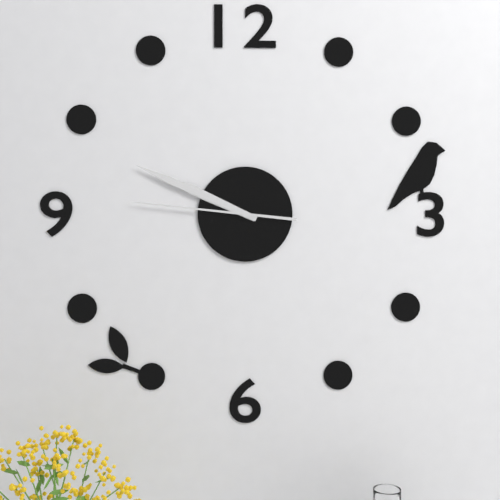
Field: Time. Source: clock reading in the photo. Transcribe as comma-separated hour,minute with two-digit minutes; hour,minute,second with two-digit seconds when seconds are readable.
9,49,46
